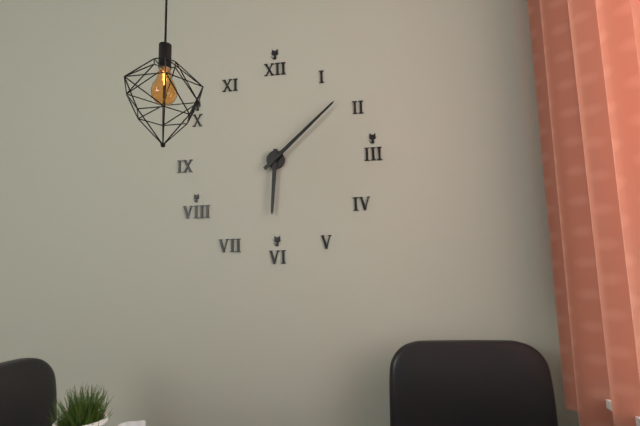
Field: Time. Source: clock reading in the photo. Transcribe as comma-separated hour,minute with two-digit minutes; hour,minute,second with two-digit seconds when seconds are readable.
6,08
